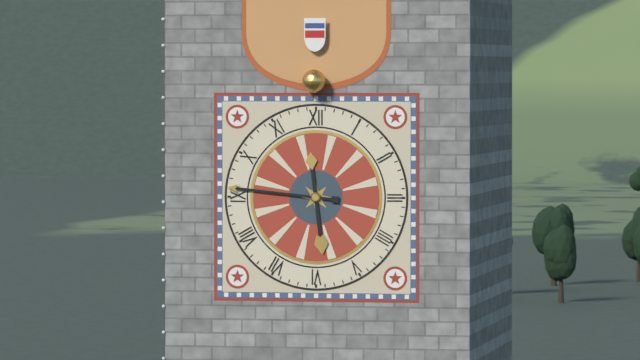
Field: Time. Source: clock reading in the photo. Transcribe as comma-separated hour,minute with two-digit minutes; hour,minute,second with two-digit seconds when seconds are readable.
5,46
